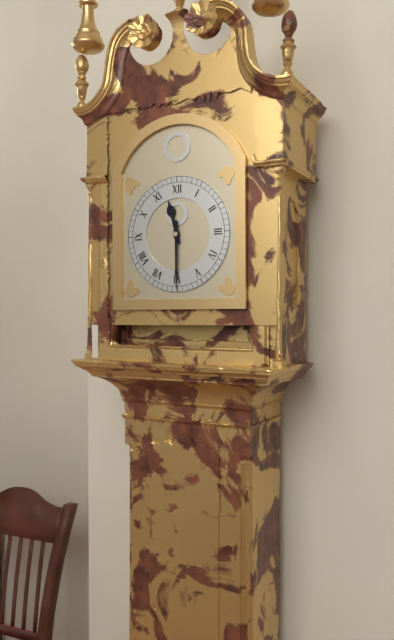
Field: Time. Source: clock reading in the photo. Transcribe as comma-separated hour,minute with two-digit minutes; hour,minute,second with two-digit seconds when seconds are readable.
11,30
